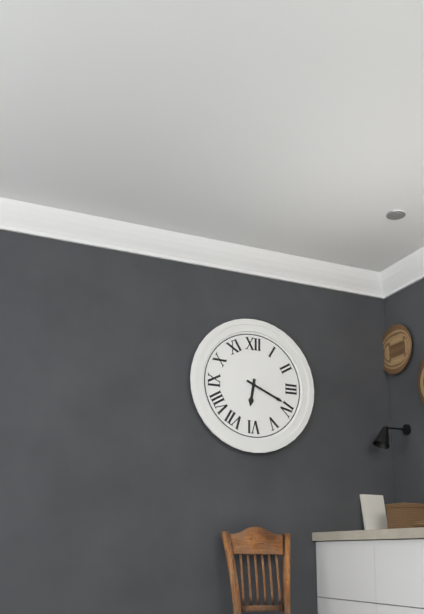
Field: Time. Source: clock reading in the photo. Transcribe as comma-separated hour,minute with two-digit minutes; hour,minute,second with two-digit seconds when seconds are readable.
6,19
